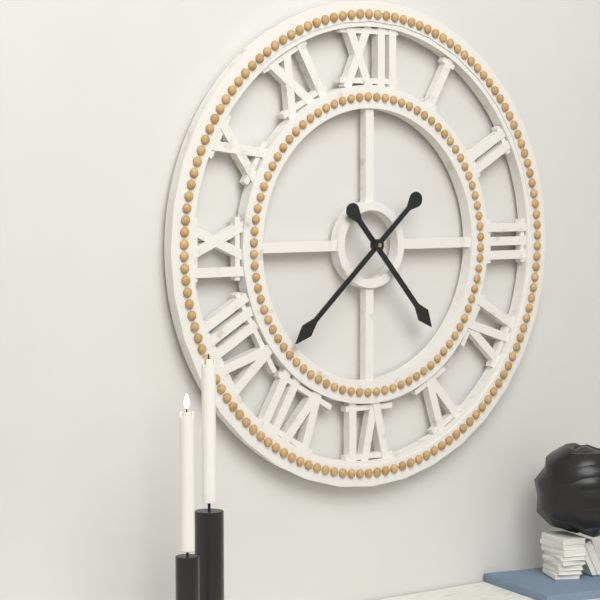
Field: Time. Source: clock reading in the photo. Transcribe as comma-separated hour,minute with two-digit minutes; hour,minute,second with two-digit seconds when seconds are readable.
4,38
